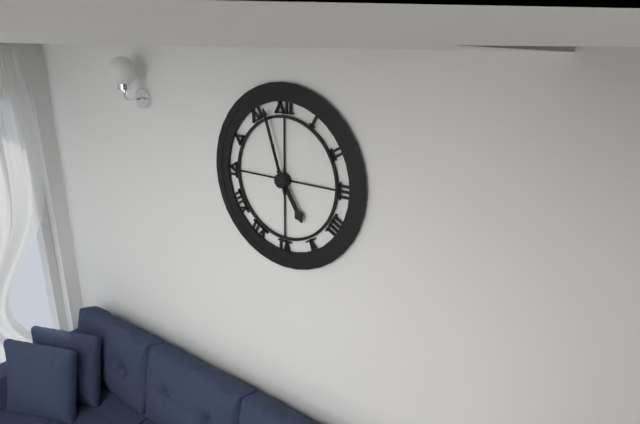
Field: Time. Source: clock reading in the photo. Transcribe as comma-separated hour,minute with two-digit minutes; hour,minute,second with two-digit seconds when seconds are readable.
4,57
